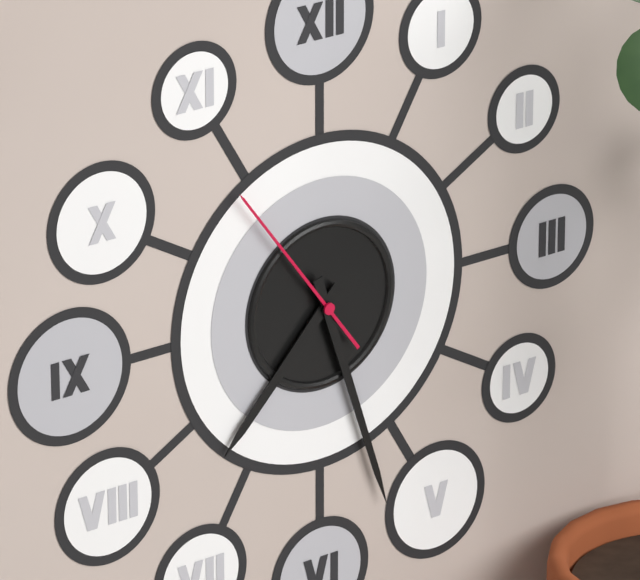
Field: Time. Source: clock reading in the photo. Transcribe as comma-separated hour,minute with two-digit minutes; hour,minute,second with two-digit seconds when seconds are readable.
7,27,54
